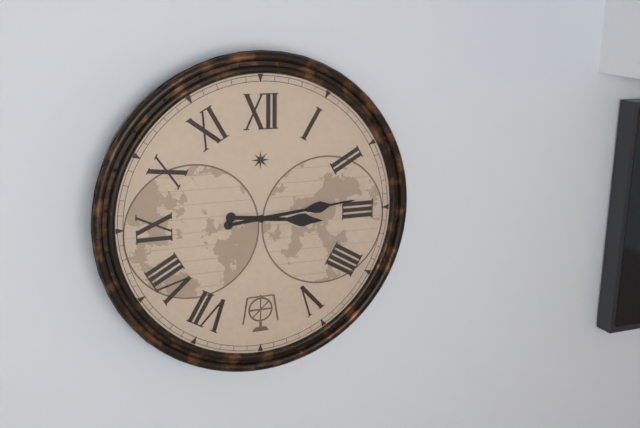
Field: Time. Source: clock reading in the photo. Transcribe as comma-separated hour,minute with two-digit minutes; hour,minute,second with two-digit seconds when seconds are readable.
3,14
